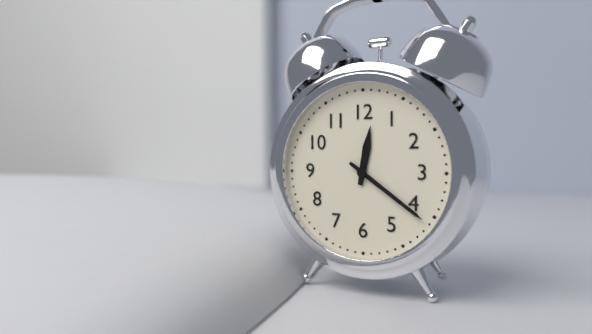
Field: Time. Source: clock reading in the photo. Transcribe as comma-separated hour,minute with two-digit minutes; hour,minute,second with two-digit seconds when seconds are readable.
12,21
